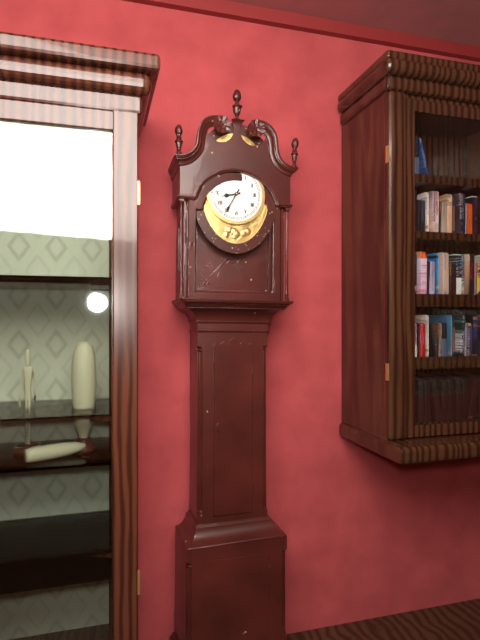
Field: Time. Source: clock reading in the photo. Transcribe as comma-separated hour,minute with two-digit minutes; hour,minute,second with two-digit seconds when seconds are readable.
8,35
